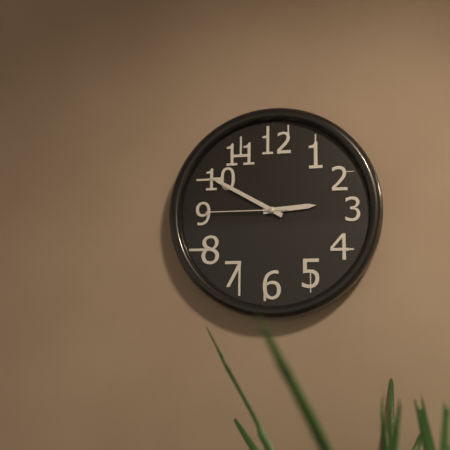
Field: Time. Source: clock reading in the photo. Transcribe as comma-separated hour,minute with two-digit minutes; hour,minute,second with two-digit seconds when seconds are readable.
2,50,45
